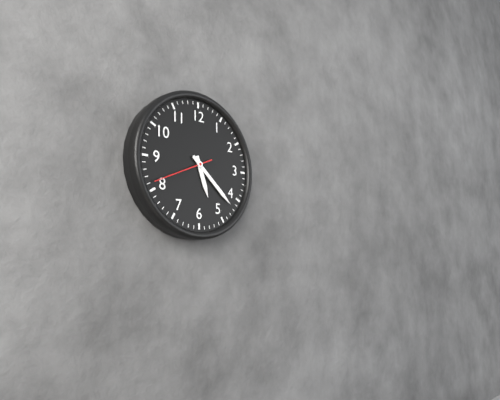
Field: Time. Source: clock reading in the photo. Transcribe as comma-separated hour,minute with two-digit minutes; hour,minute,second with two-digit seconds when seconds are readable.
5,22,41
